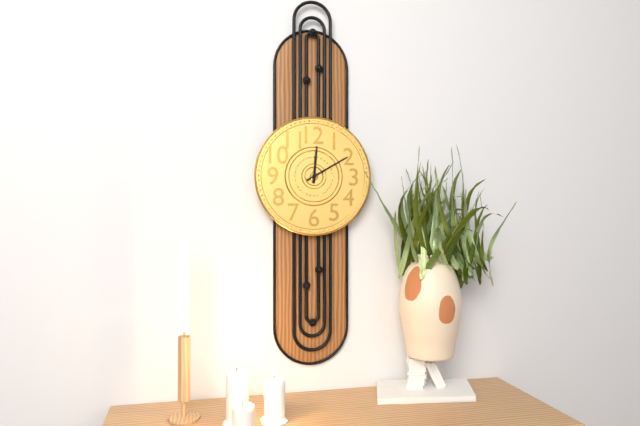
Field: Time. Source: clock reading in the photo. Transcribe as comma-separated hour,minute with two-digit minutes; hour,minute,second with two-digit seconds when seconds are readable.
12,10
